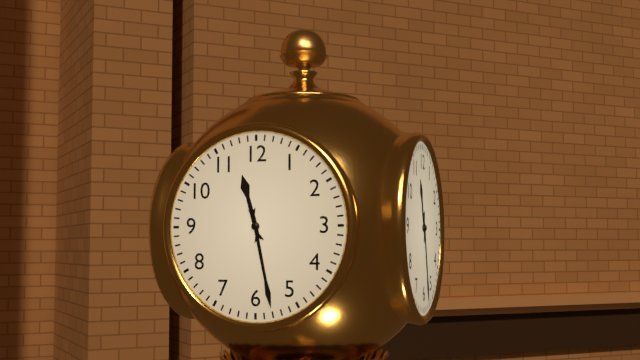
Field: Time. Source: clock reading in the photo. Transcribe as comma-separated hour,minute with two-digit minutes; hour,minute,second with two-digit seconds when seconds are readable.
11,28
